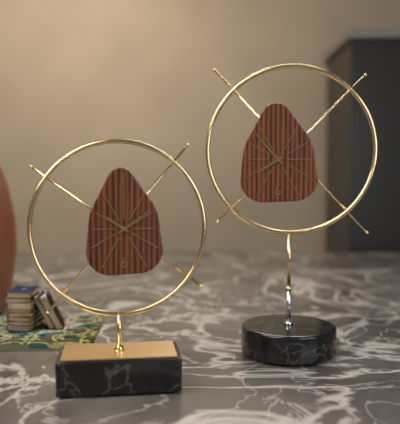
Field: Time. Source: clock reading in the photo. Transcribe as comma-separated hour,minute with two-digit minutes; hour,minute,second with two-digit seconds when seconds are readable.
7,53
